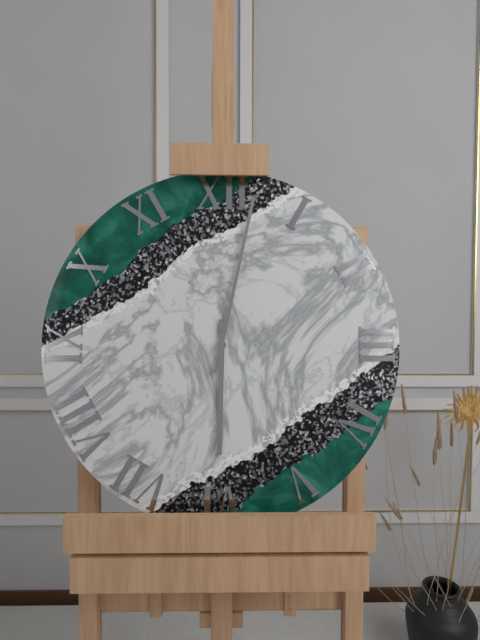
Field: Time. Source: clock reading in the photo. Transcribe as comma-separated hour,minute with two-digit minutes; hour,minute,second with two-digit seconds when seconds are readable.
6,02
